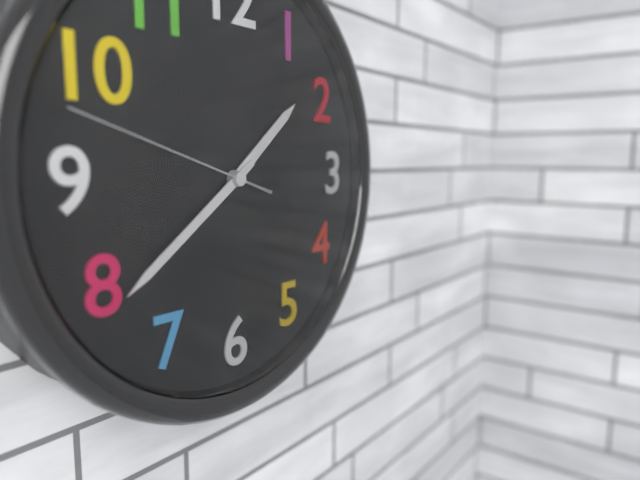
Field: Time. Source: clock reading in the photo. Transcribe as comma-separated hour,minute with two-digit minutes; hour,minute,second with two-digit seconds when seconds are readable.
1,39,48
